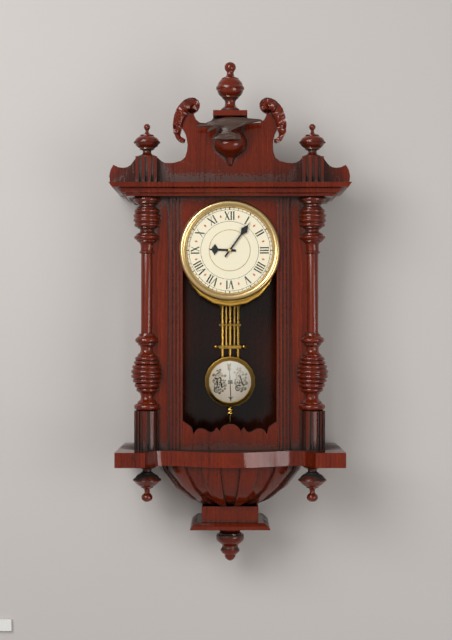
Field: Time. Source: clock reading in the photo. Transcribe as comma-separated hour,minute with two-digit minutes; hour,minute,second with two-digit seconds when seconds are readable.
9,06
